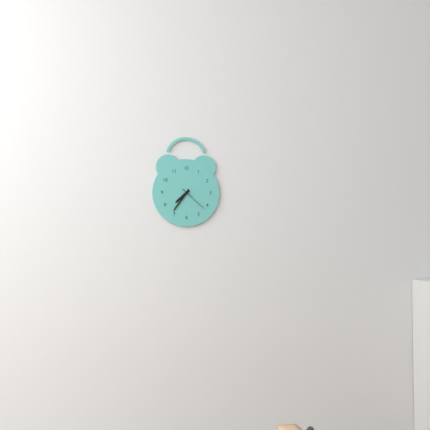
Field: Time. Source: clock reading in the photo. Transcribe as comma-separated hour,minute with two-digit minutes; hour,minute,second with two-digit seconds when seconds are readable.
7,36
